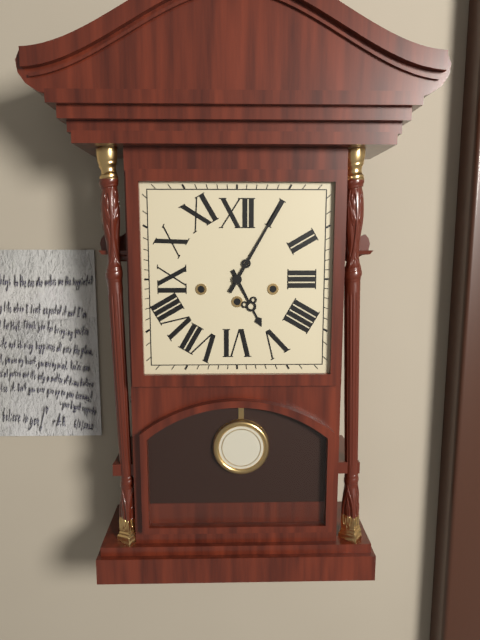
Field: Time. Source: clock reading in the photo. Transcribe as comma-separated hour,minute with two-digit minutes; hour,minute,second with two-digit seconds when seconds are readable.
5,05
